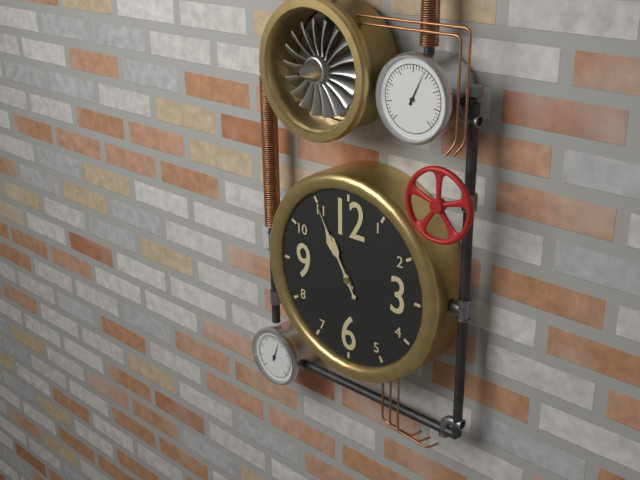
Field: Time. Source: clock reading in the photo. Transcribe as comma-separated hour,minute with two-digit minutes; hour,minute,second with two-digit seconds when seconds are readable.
10,55
